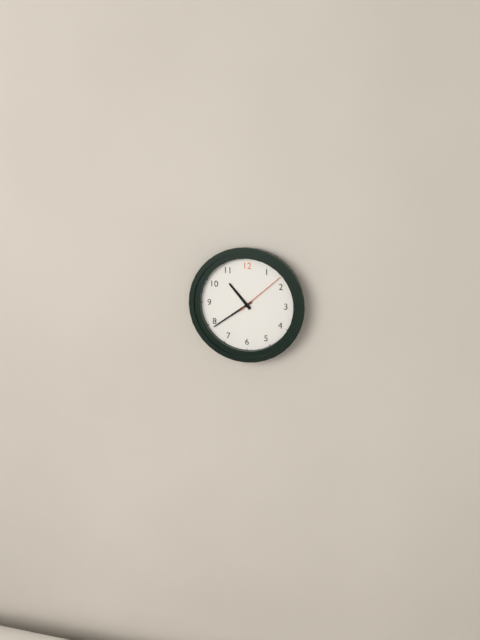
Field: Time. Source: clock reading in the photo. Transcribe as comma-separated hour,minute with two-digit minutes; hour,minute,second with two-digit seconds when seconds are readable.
10,39,08
